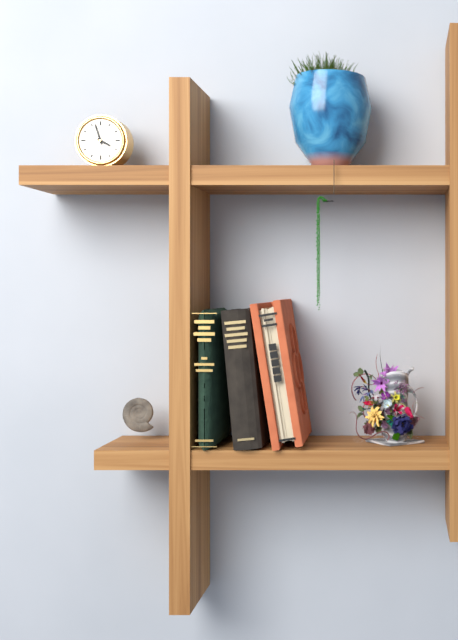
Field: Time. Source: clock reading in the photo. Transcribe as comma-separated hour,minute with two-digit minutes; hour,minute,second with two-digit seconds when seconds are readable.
3,57
